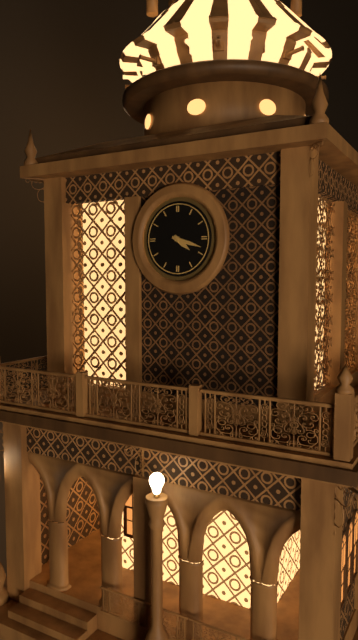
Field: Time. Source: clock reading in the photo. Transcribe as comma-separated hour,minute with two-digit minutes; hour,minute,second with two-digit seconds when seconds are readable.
4,18
